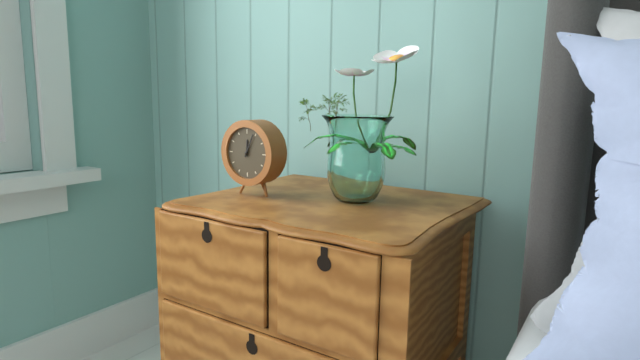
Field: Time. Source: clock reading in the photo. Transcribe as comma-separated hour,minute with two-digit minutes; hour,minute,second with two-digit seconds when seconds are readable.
12,04
